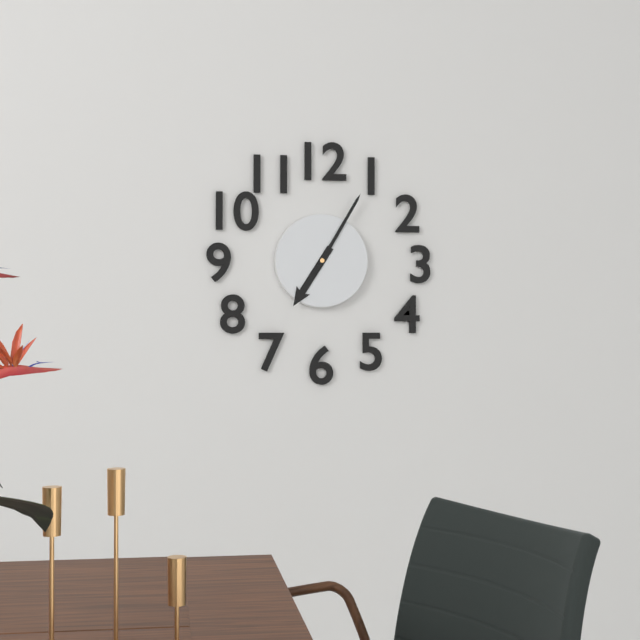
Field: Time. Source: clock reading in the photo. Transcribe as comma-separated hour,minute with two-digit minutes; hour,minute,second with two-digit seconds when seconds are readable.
7,05
